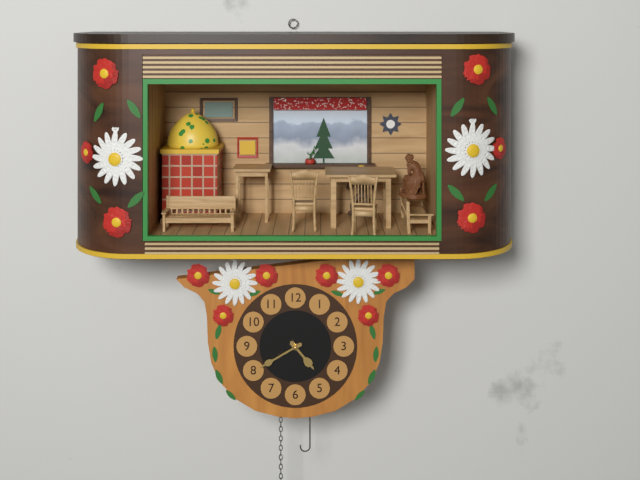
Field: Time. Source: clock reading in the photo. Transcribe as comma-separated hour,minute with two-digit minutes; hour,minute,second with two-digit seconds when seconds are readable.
4,40
